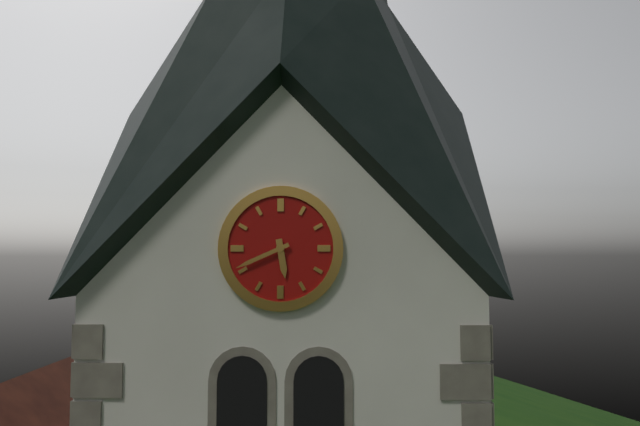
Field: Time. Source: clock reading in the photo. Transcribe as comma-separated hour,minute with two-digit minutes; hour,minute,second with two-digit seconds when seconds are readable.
5,41
